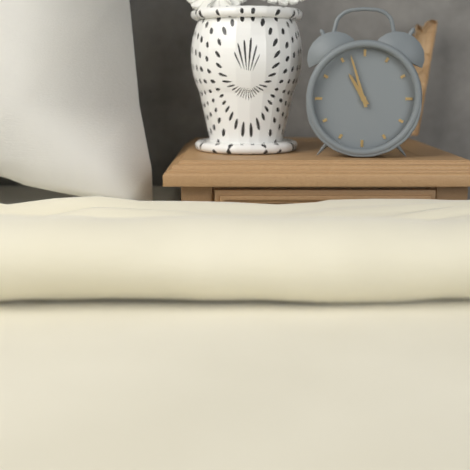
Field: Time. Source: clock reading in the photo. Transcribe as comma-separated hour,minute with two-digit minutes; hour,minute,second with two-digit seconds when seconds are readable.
10,57
